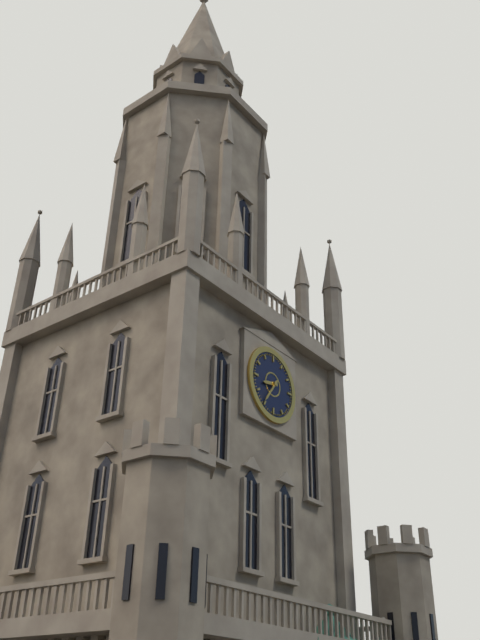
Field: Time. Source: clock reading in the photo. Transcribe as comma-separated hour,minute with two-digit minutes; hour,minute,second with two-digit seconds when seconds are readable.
8,36
